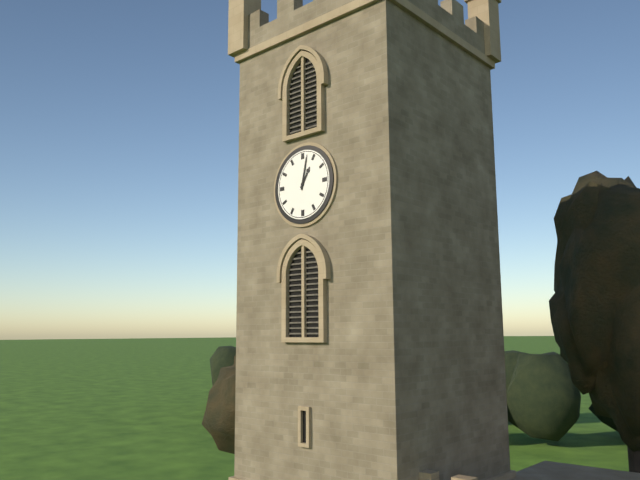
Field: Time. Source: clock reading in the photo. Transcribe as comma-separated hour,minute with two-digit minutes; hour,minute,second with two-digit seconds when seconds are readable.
1,02
